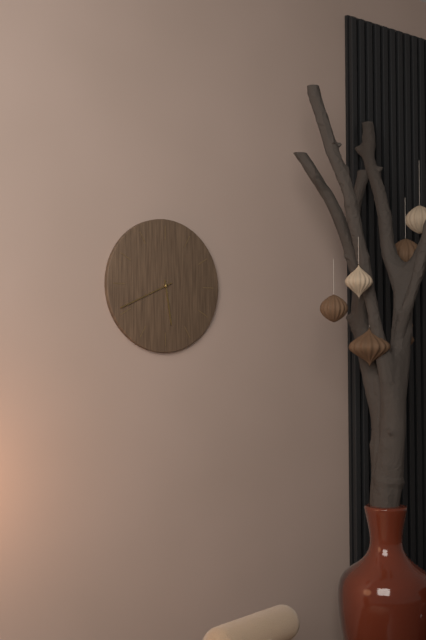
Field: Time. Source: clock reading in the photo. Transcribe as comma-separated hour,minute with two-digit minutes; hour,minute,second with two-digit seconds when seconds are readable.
5,41
